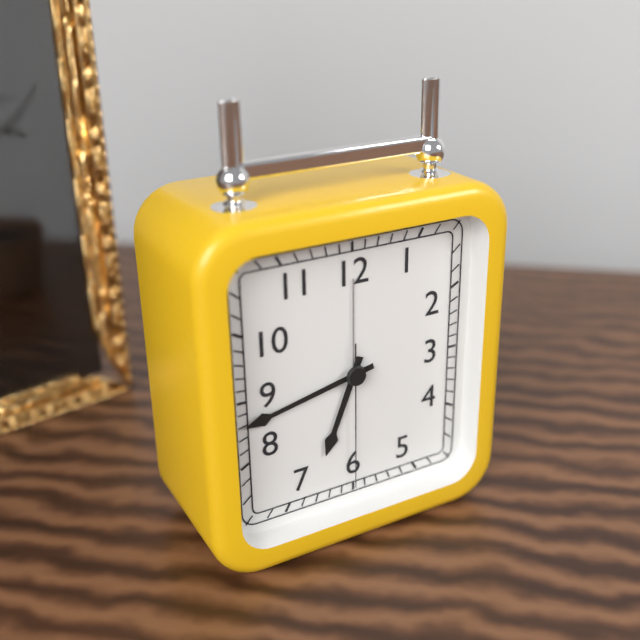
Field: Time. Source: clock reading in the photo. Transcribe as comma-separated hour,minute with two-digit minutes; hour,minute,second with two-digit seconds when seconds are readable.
6,43,30
